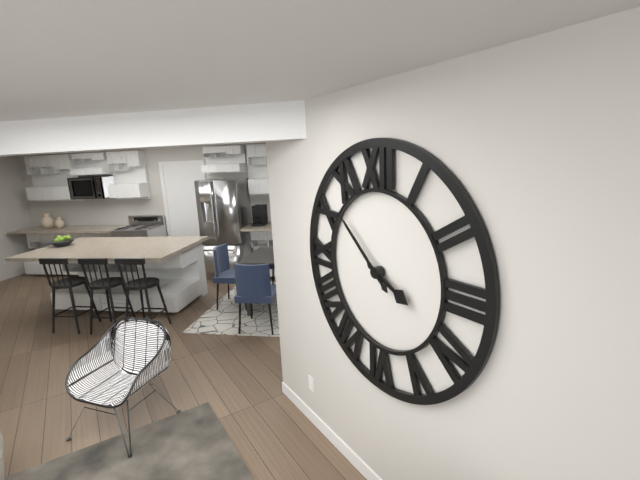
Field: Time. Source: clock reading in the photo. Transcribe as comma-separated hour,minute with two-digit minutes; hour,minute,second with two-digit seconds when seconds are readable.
3,52
